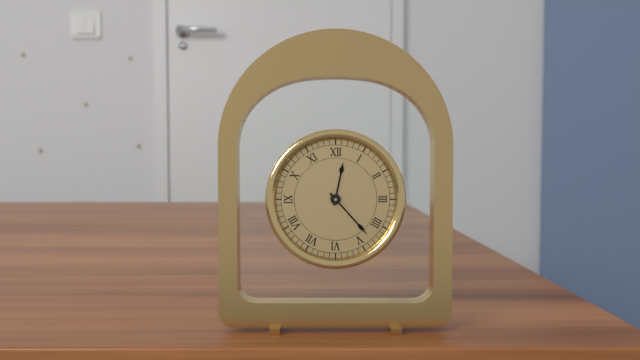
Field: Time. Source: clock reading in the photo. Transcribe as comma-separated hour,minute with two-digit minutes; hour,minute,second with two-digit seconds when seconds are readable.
12,23
